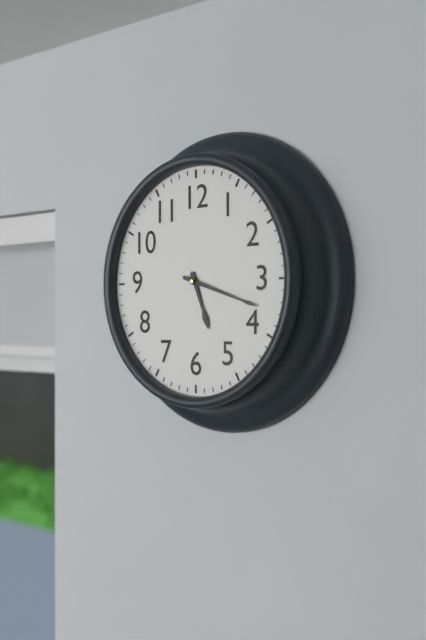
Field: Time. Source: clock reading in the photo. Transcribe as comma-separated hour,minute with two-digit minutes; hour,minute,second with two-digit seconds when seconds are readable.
5,18
